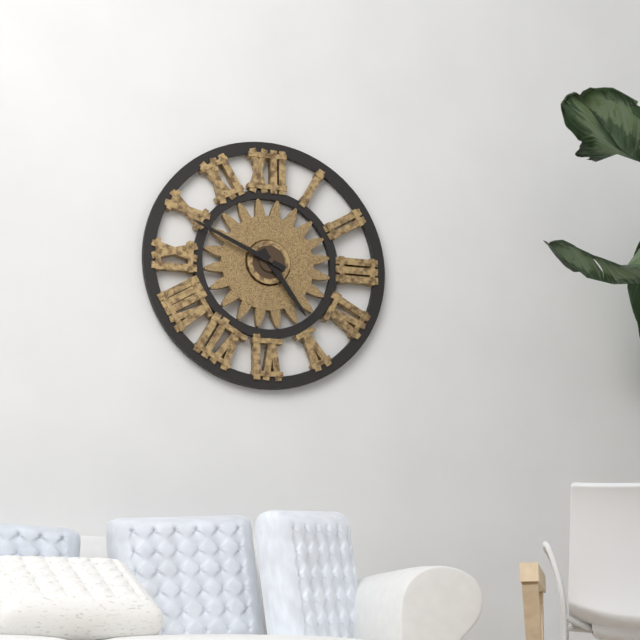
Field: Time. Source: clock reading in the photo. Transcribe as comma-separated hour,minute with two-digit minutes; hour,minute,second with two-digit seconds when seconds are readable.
4,49
